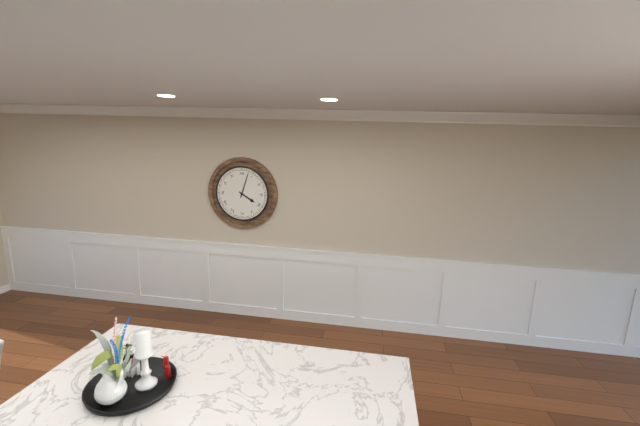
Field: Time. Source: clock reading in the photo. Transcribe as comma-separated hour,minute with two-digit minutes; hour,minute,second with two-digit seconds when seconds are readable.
4,03
